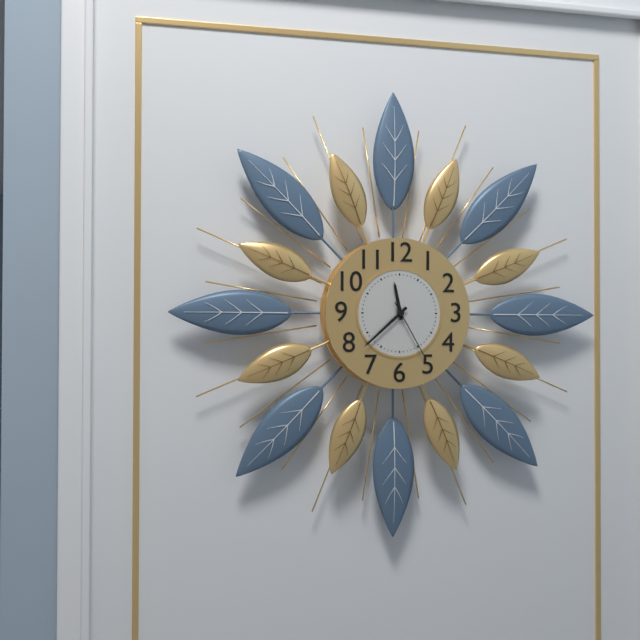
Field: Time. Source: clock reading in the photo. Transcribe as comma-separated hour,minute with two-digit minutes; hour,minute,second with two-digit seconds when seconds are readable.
11,38,25
